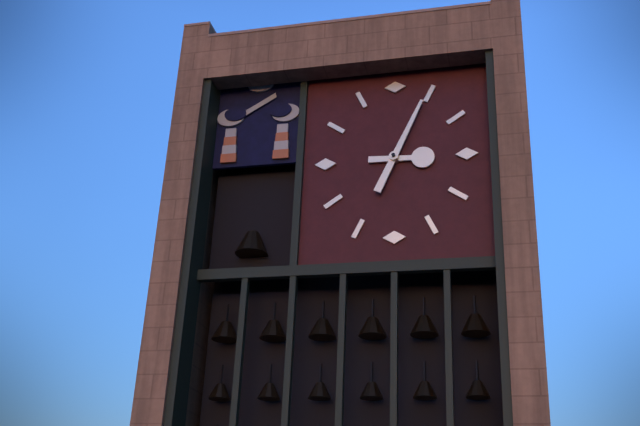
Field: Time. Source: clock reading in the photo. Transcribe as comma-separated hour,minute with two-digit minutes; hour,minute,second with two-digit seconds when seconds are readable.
3,04
